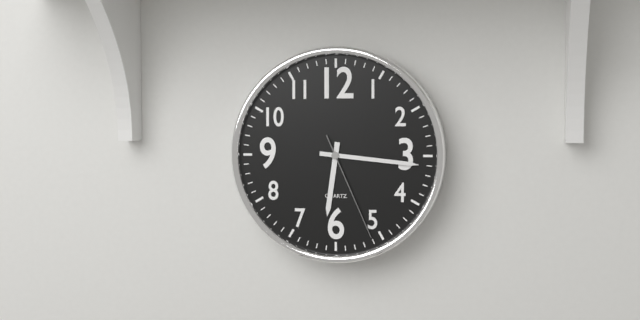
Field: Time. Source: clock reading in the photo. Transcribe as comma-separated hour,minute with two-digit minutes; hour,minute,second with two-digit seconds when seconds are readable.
6,16,26
